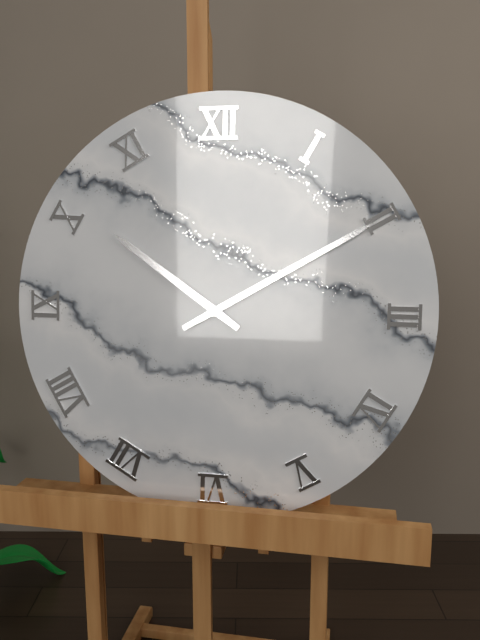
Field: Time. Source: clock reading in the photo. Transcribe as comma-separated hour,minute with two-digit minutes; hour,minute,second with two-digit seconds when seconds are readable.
10,10
